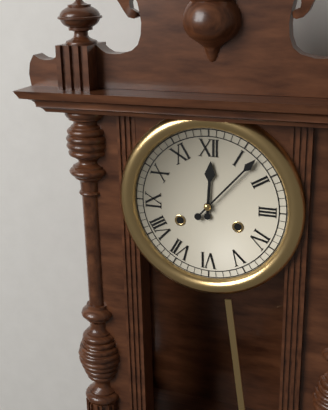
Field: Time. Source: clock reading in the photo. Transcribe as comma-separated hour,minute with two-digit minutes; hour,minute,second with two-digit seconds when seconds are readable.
12,07
